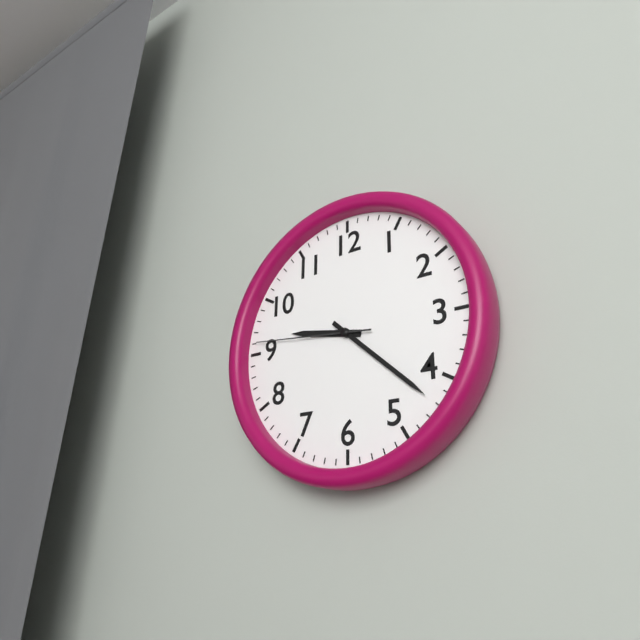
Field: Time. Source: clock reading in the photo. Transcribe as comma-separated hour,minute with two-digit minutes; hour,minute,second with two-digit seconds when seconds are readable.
9,22,46
